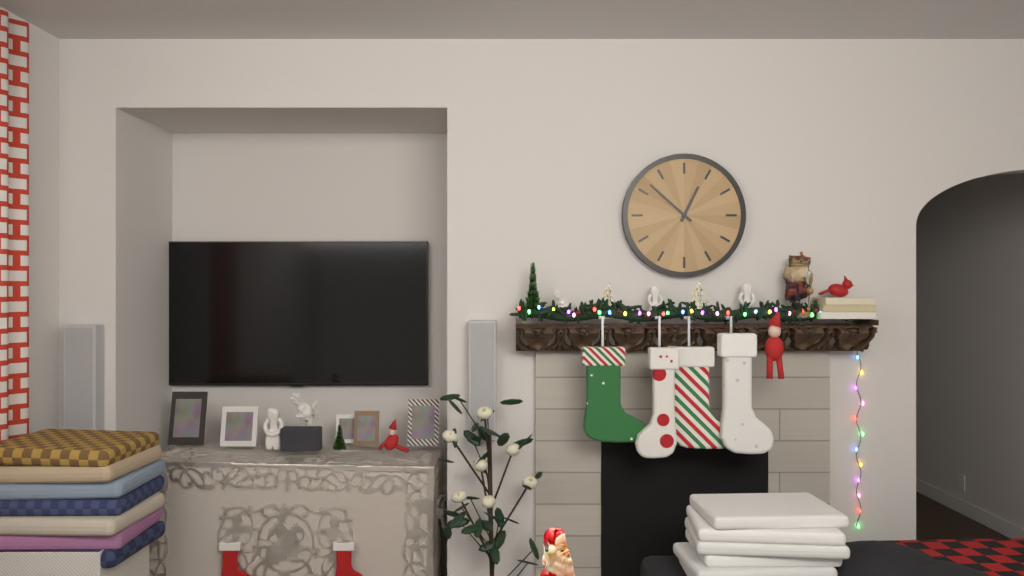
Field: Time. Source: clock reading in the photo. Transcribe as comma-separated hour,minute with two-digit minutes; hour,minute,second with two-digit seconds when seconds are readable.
12,52
